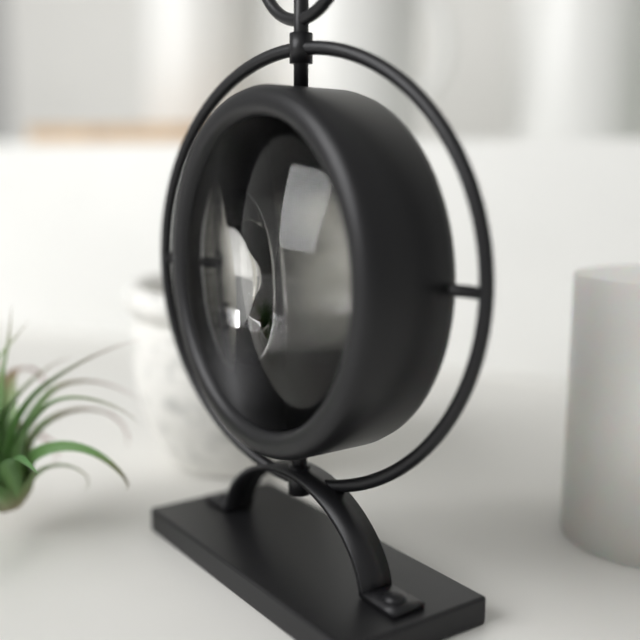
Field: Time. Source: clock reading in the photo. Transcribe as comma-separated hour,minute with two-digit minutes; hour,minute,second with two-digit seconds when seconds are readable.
10,06
